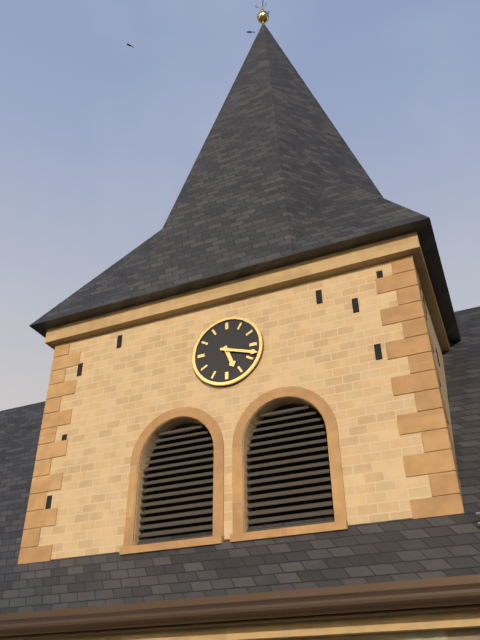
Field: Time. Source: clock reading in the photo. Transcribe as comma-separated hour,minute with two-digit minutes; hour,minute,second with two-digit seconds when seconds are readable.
5,18
